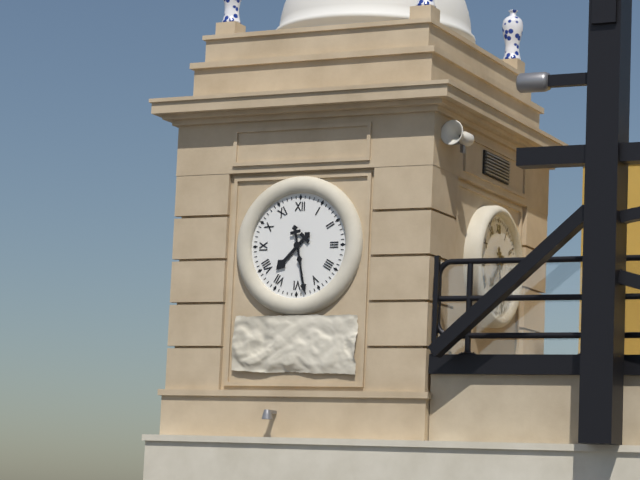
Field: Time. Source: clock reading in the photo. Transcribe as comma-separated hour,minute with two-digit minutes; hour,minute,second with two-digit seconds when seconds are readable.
7,28
